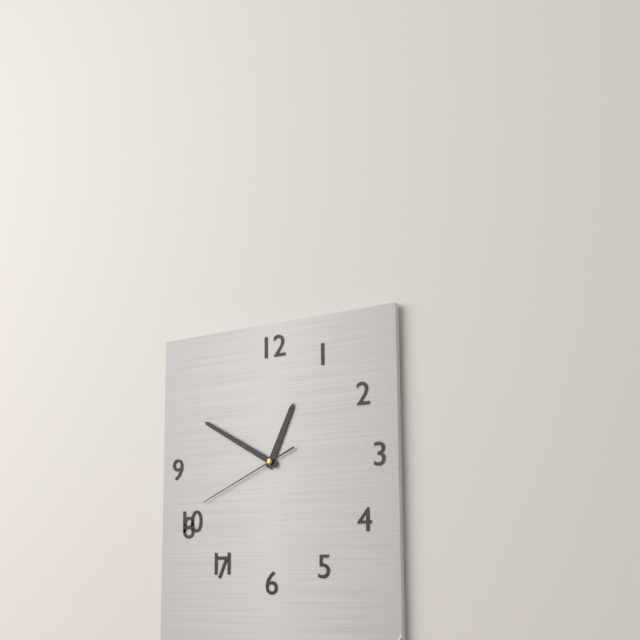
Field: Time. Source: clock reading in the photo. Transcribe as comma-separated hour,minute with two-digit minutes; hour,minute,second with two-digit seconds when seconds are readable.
12,50,41
